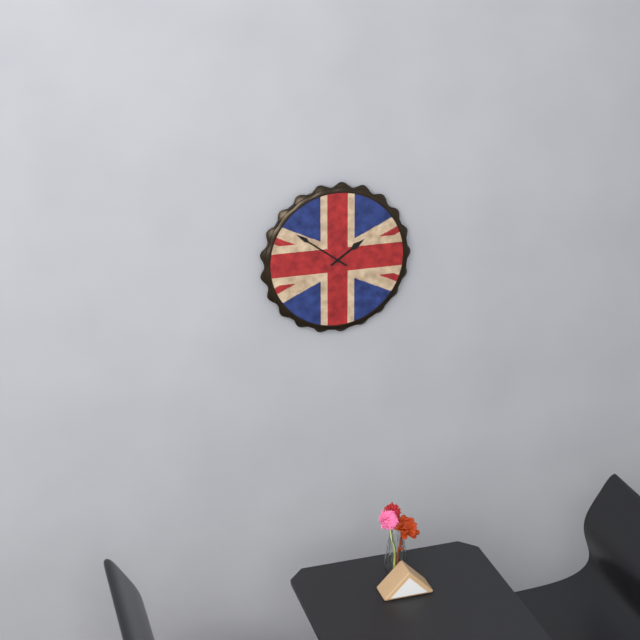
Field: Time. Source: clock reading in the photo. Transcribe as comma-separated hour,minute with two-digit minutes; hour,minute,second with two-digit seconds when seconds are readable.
1,51
